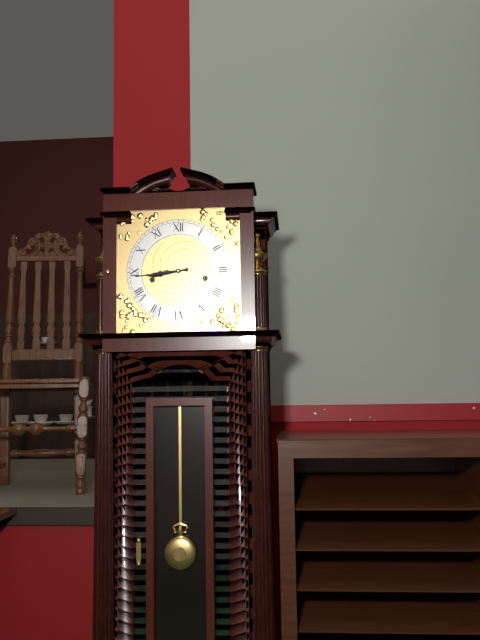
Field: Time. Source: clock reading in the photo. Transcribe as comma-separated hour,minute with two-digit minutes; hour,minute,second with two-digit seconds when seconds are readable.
8,44
